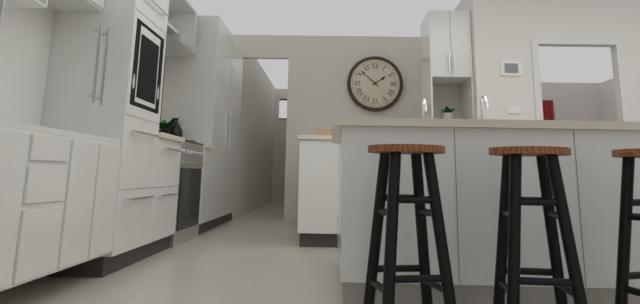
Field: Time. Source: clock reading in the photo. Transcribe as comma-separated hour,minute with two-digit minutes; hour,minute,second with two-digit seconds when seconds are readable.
1,52
